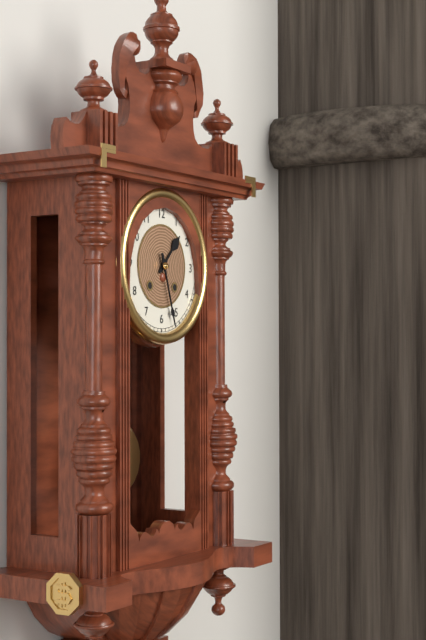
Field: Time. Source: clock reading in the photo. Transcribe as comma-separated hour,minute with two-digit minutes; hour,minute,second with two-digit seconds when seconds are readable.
1,27
